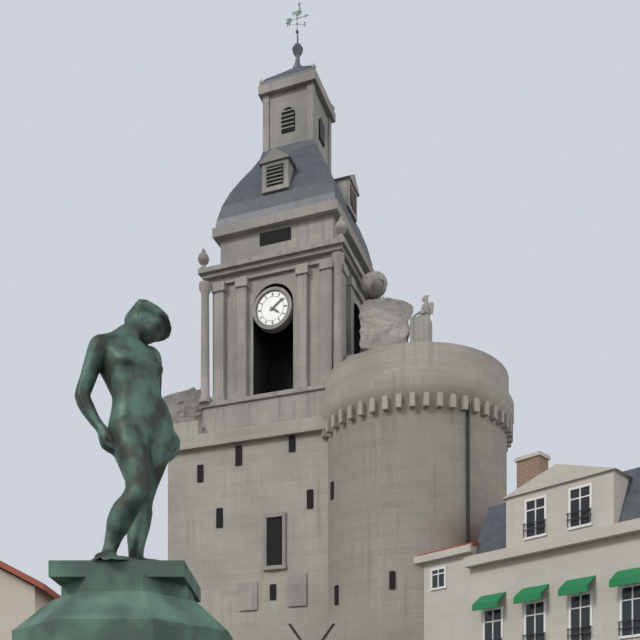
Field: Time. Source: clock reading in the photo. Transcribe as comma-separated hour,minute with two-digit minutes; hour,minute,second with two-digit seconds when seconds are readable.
4,09
